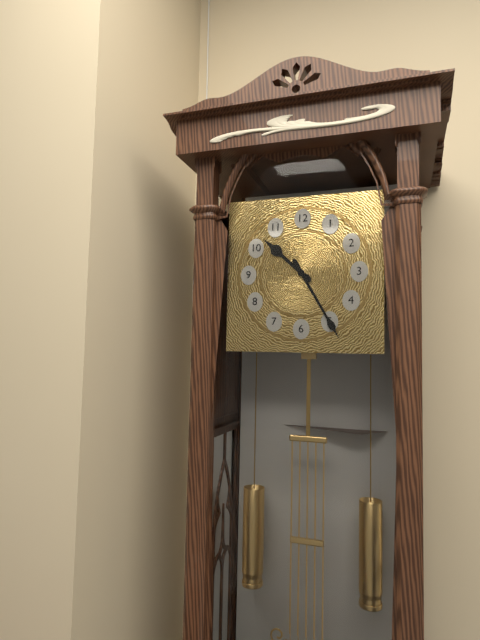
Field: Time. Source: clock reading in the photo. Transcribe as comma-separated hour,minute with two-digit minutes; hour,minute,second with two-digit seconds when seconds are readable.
10,25
